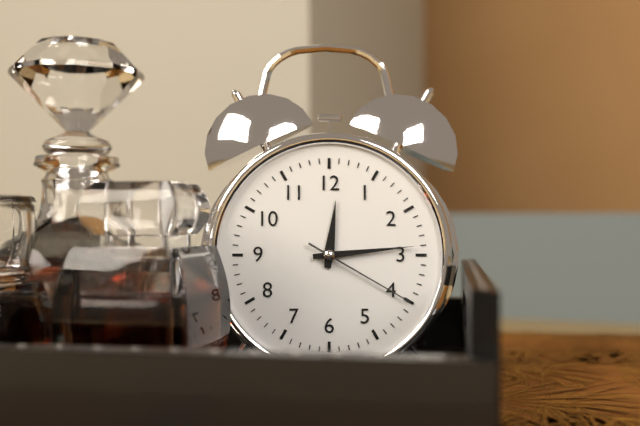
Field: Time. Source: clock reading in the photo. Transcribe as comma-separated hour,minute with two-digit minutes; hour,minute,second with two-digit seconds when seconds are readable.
12,14,20
